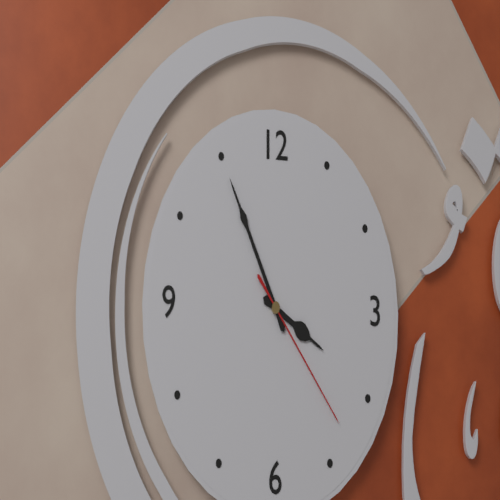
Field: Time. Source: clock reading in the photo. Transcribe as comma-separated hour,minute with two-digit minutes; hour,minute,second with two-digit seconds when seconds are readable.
3,55,23
